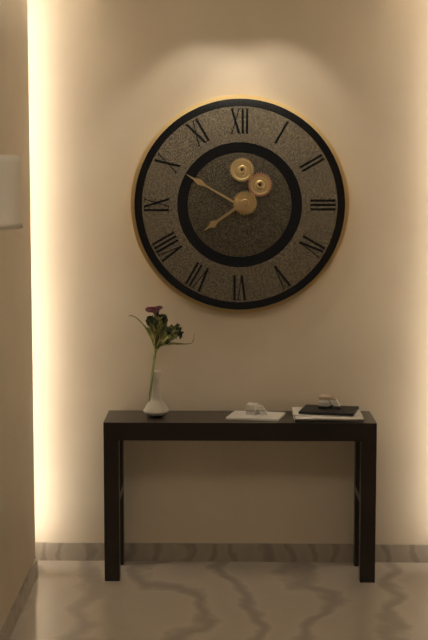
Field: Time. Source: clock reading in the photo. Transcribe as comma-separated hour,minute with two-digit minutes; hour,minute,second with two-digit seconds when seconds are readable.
7,50
